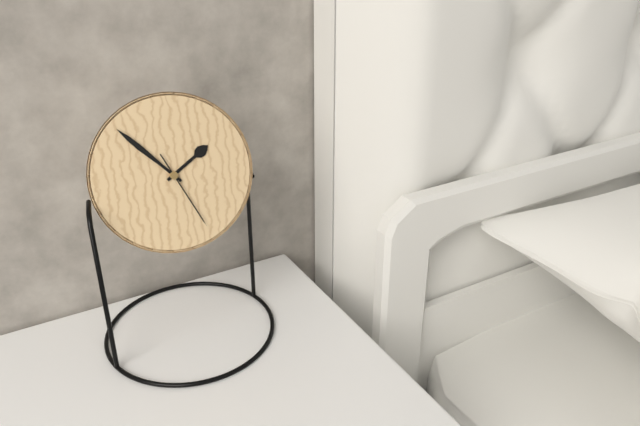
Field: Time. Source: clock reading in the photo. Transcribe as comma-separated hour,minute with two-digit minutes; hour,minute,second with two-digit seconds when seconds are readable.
1,53,26
